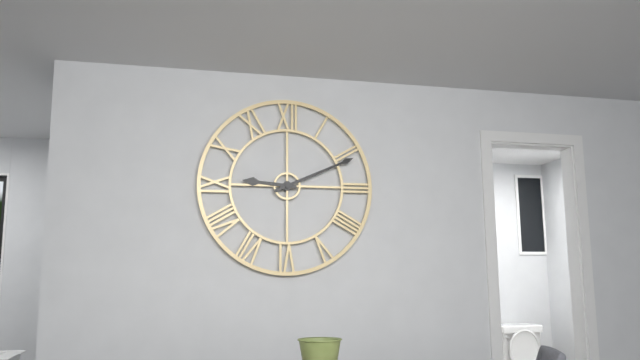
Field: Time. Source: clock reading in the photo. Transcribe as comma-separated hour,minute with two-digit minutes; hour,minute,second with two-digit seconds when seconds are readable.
9,11
